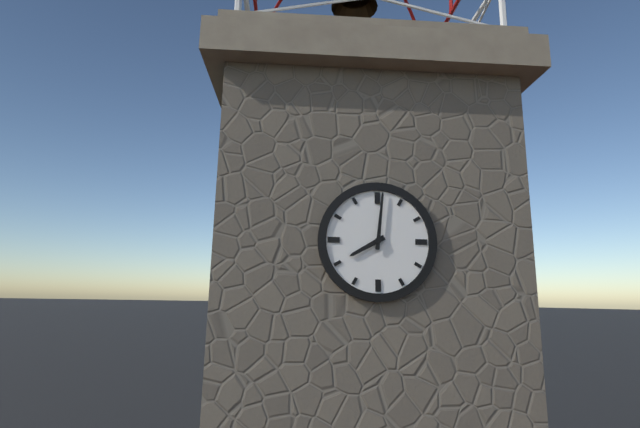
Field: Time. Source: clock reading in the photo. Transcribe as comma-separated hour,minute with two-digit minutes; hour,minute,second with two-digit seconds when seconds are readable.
8,01
